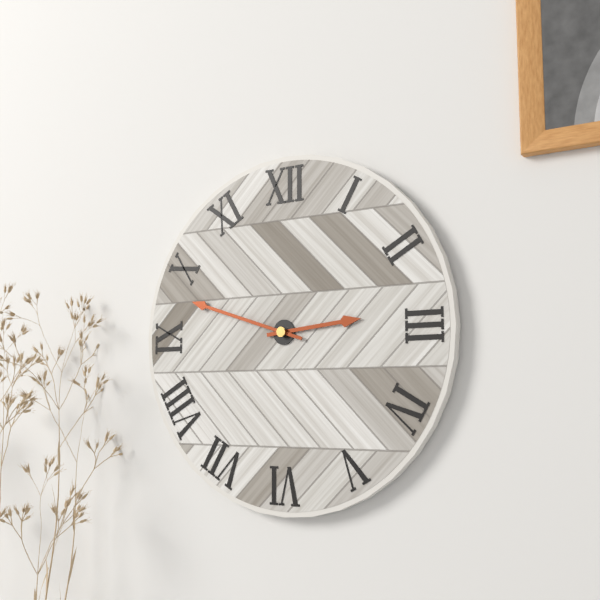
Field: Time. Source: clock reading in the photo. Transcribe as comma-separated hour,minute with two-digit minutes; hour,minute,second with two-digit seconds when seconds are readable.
2,48
